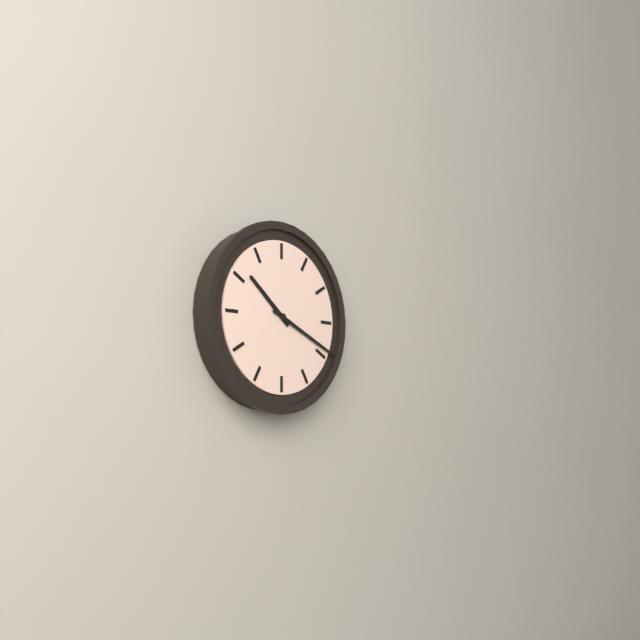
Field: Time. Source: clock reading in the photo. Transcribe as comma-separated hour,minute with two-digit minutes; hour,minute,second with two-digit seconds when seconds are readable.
10,19
